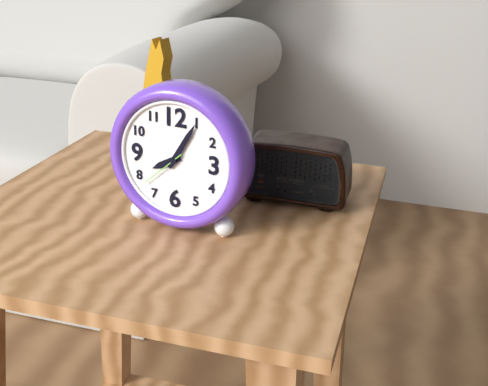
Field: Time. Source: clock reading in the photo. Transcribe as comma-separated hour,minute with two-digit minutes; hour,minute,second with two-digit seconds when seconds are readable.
8,05
